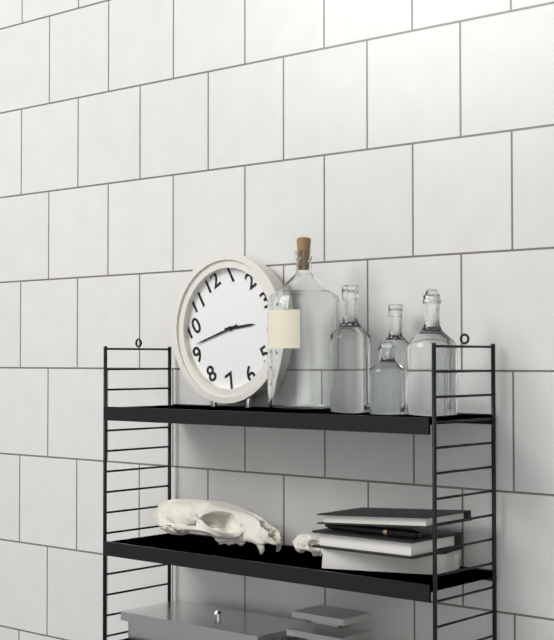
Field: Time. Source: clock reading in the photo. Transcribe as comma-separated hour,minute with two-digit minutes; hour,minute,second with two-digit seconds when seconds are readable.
3,47
